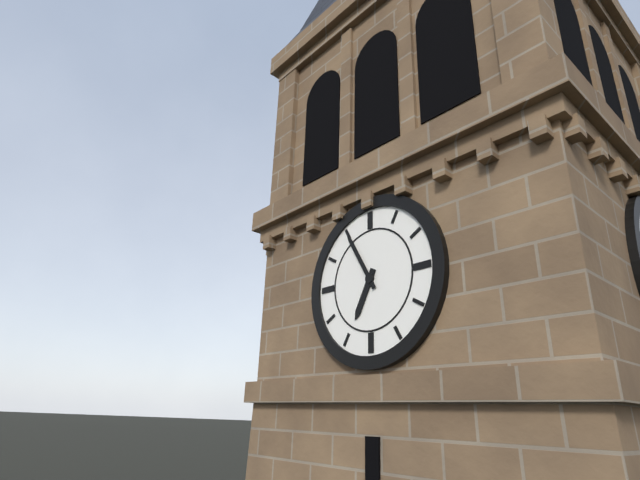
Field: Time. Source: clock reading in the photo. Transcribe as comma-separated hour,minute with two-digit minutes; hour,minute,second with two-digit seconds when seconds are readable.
6,55
